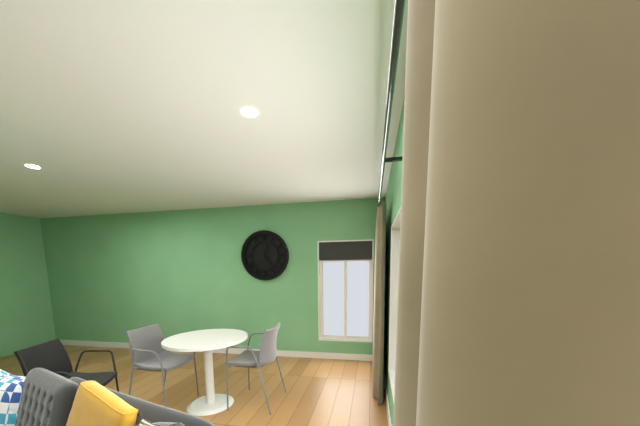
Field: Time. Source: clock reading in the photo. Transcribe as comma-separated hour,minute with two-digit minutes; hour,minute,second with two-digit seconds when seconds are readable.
12,24
